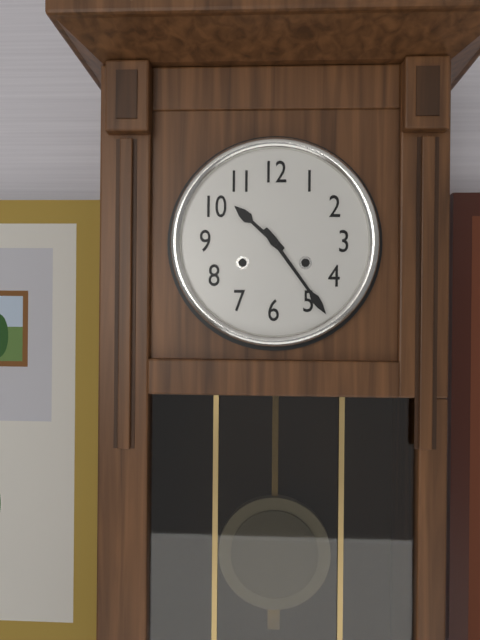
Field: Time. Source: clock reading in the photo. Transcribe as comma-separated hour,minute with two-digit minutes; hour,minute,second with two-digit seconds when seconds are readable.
10,24
